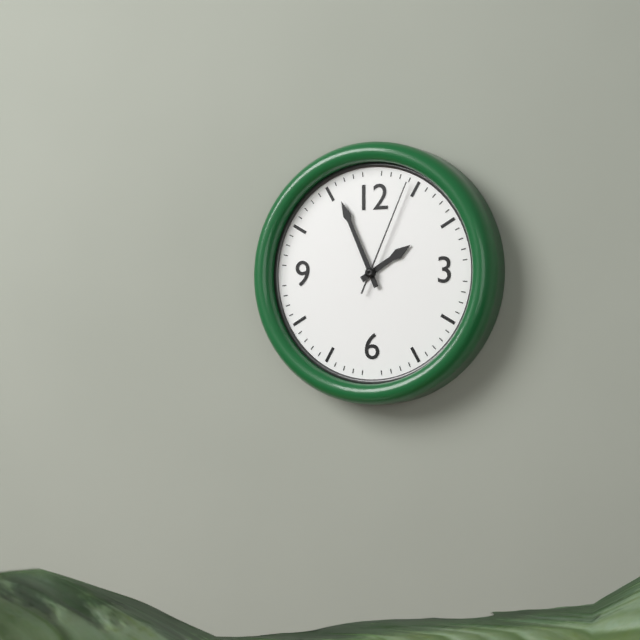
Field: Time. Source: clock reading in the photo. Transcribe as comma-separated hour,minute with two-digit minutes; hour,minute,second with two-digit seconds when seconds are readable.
1,56,04
